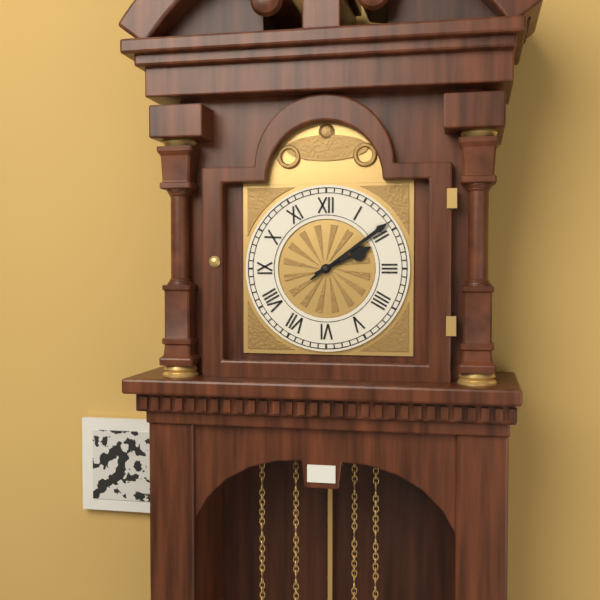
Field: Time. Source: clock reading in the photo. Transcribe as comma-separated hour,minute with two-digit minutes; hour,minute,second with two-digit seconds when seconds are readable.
2,09
